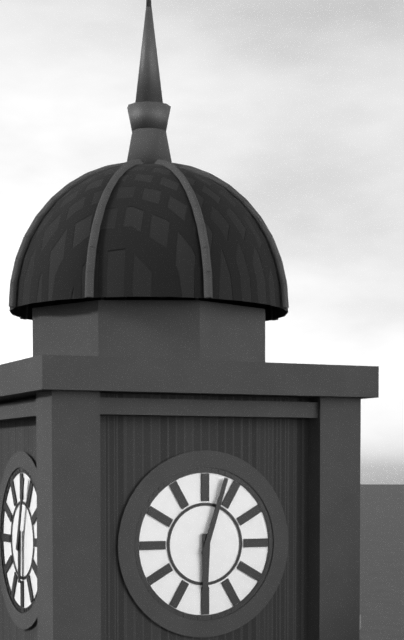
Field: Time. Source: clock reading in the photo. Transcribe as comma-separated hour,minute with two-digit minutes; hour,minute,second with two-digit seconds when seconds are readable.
6,03
